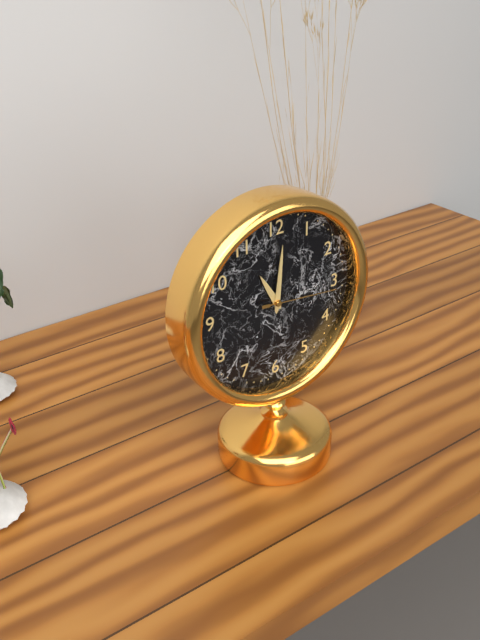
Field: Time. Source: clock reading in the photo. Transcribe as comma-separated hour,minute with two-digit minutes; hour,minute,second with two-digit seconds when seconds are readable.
11,01,16
